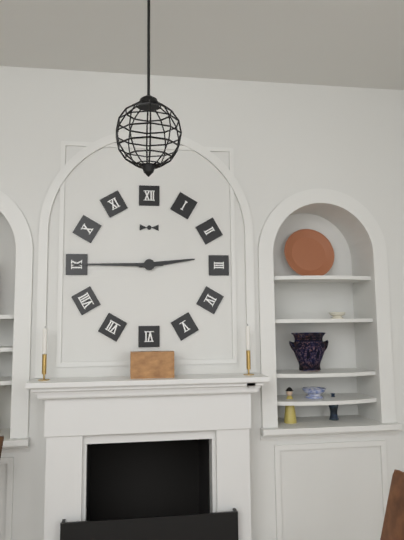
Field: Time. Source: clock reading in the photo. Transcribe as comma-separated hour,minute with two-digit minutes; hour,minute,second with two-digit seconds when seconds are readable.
2,45
